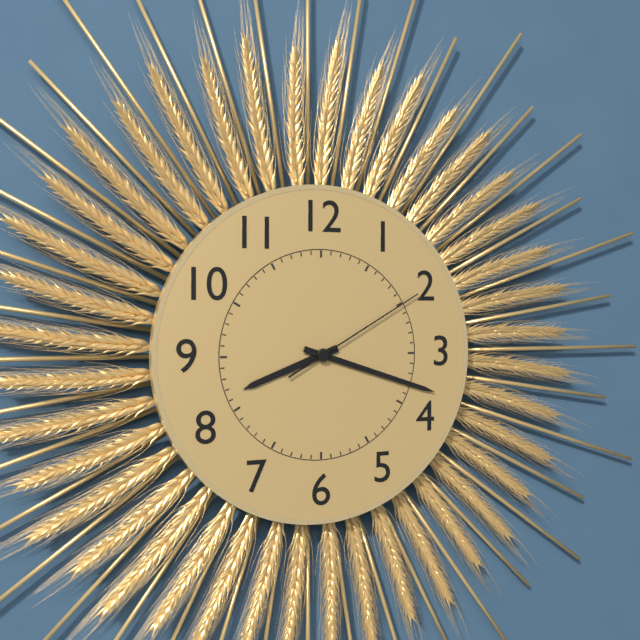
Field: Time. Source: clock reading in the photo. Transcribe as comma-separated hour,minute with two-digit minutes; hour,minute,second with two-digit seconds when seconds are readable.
8,18,10
